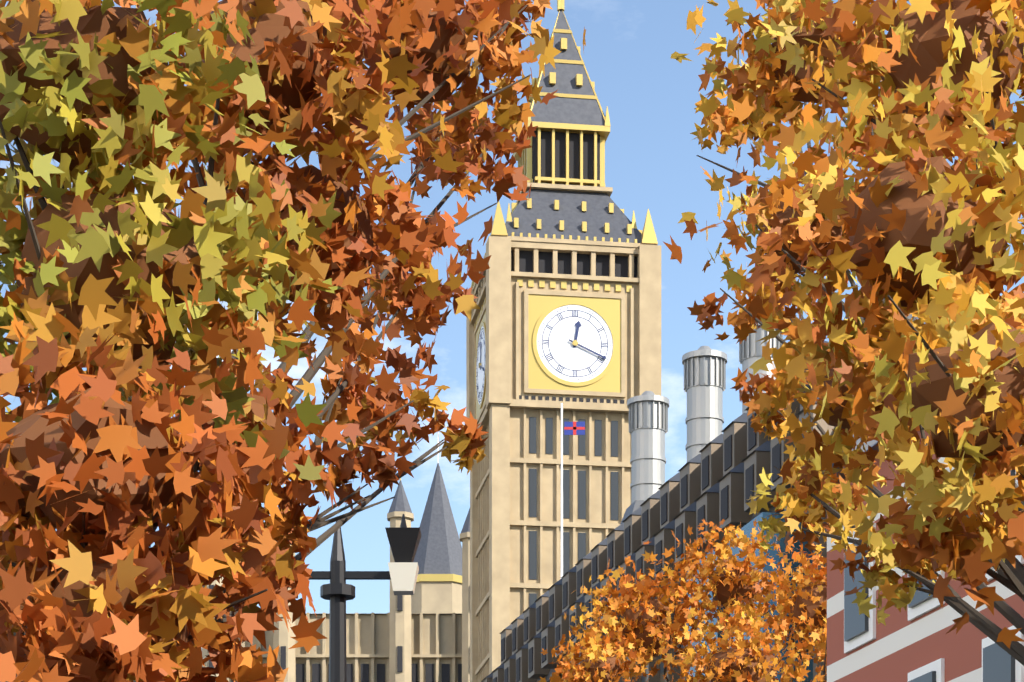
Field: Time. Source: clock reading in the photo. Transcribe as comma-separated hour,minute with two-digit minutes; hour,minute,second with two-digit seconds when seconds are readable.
12,19
